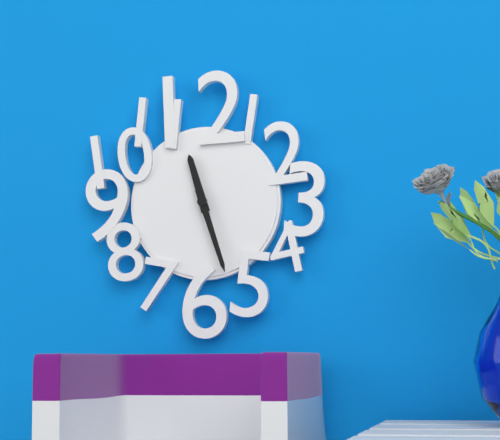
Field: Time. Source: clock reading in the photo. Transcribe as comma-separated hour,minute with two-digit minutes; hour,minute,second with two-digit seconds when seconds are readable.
11,27
